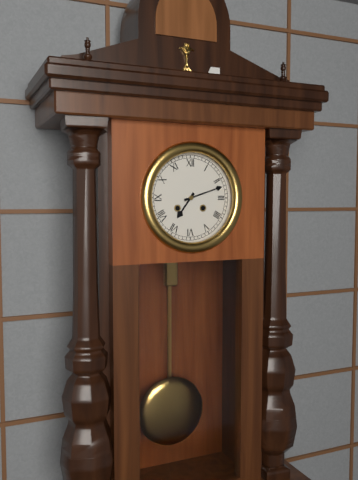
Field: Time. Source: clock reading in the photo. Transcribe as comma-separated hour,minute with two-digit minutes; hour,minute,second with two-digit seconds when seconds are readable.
7,12
